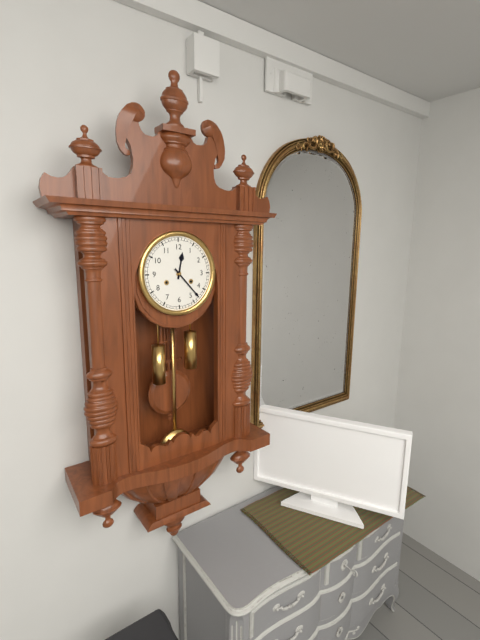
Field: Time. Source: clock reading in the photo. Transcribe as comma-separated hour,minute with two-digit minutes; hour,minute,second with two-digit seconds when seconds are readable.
12,23
